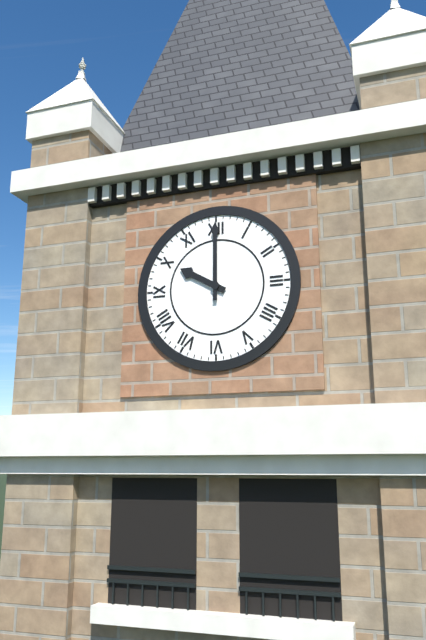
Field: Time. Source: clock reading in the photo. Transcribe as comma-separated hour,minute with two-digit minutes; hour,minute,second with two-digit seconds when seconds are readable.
10,00
